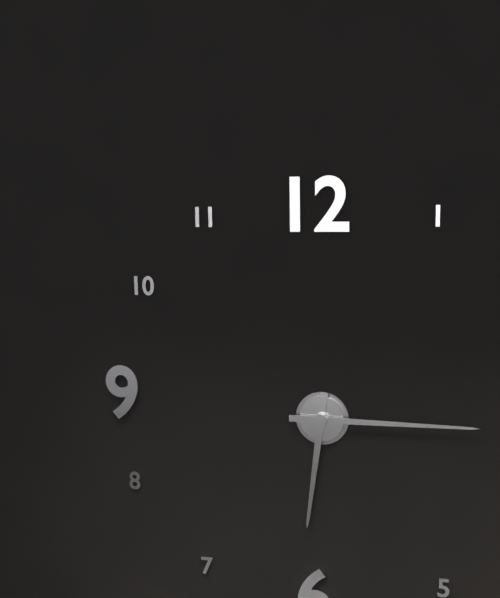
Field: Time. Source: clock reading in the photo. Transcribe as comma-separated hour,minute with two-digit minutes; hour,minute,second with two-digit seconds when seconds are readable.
6,15
